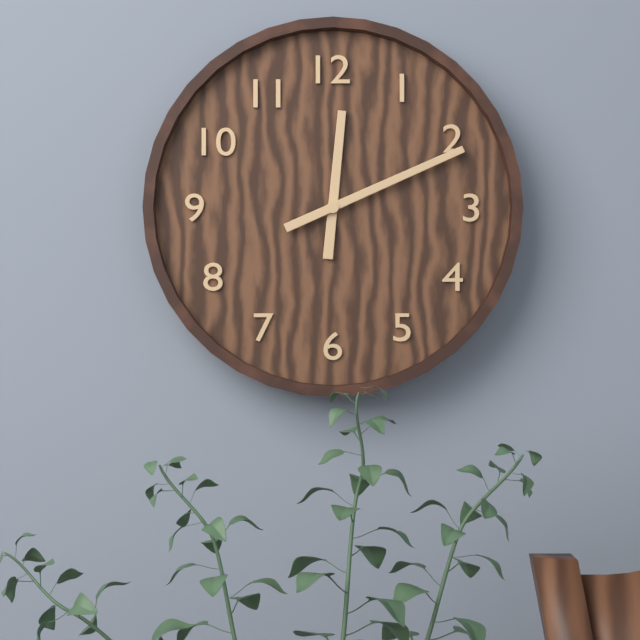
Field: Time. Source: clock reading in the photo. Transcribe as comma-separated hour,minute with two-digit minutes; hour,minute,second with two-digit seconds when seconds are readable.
12,11
